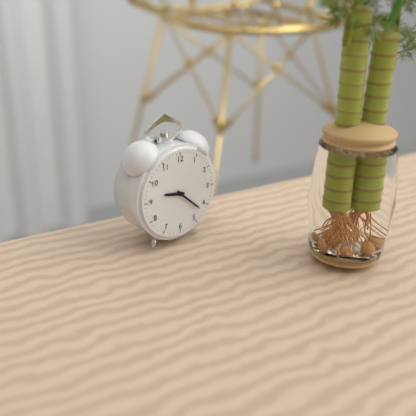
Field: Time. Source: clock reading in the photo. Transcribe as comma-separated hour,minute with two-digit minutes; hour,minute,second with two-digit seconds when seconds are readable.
9,22
